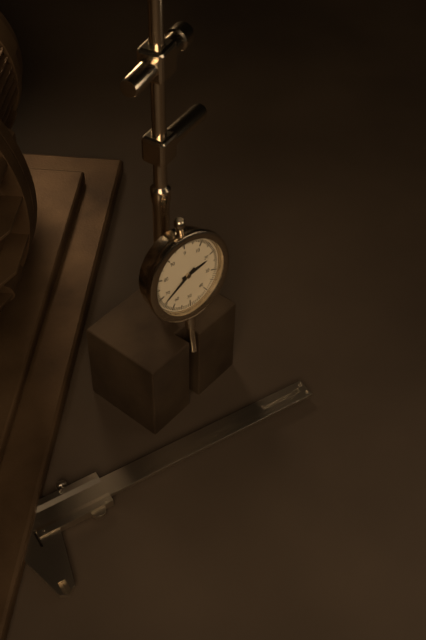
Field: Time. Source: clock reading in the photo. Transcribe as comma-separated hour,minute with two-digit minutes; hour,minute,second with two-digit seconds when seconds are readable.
2,40
